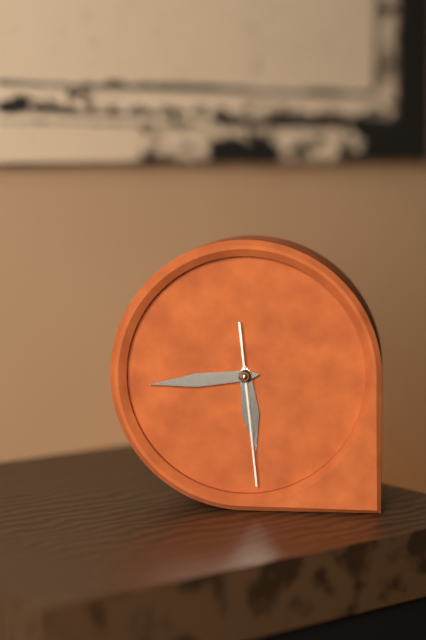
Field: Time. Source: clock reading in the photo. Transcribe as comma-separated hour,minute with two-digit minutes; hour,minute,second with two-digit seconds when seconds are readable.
5,44,29
